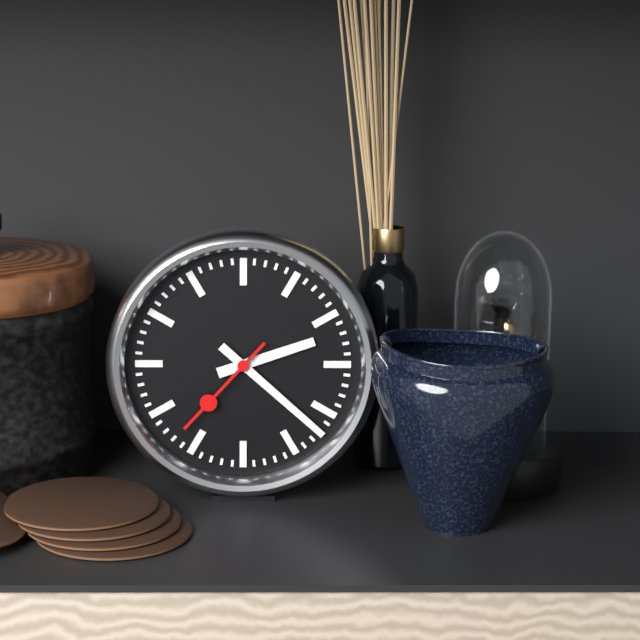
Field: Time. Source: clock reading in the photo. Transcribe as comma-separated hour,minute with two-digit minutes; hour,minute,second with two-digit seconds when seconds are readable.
2,22,37
